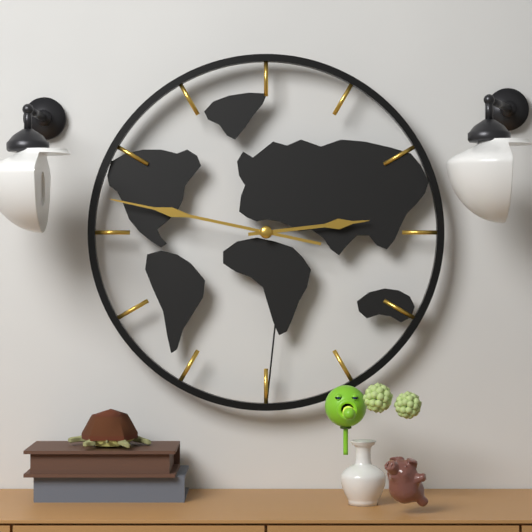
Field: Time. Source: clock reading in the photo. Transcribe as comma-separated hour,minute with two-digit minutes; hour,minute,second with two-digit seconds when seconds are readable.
2,47
